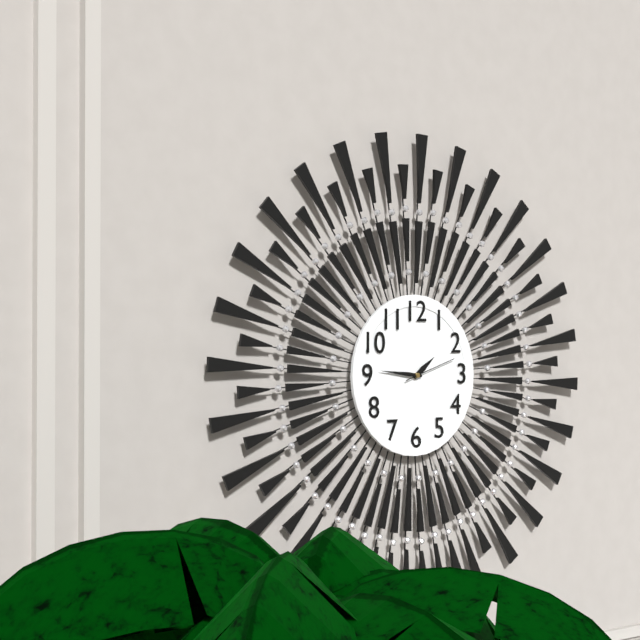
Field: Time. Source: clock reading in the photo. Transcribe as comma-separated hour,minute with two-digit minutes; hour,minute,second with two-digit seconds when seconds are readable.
1,46,12
